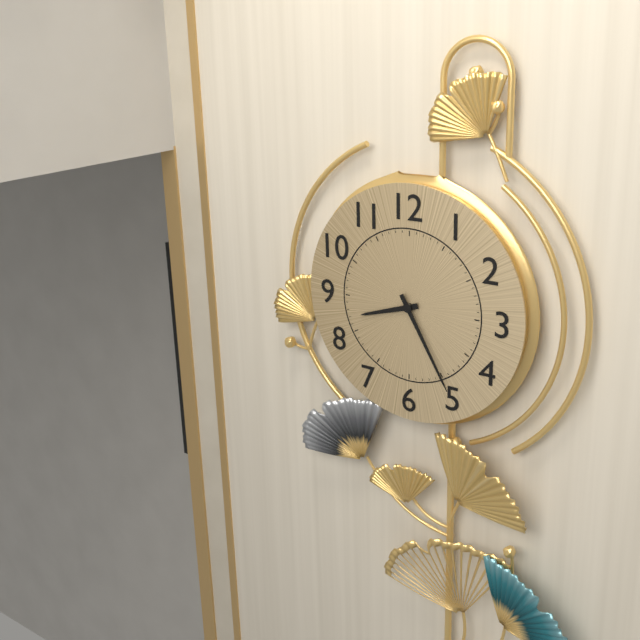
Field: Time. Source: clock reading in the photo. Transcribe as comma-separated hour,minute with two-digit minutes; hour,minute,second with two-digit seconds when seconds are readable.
8,25
